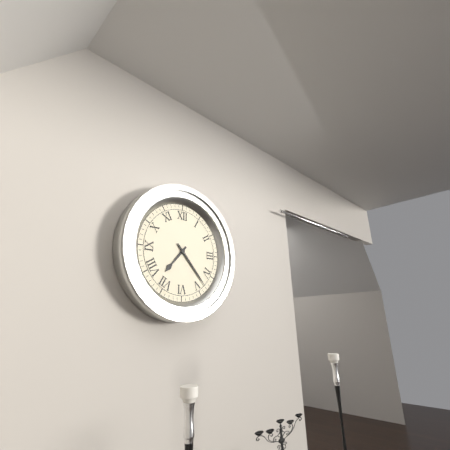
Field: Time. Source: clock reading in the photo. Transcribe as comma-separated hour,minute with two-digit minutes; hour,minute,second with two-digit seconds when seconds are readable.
7,23
